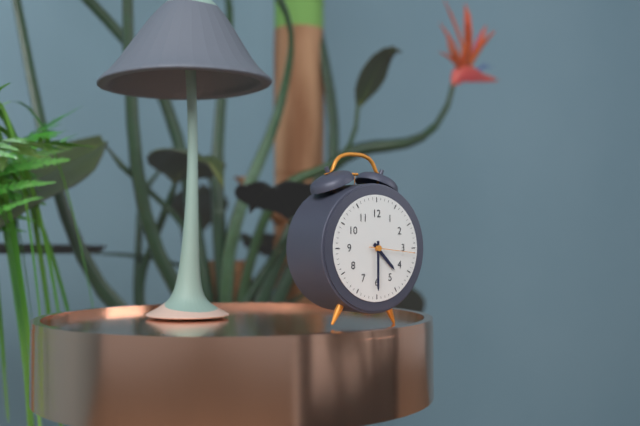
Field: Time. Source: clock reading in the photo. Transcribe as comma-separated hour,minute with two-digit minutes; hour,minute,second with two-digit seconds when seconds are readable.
4,30
